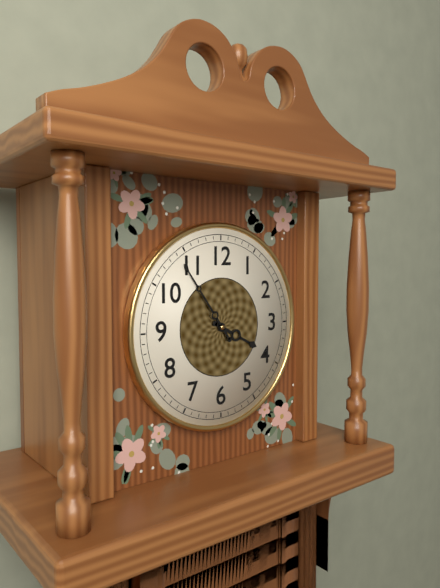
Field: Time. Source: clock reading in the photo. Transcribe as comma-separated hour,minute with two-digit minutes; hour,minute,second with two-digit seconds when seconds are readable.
3,54
